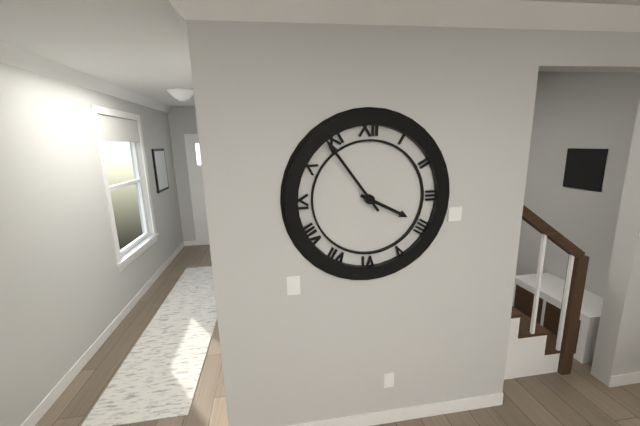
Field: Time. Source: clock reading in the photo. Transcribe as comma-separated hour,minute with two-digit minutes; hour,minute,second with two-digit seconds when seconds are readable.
3,54
